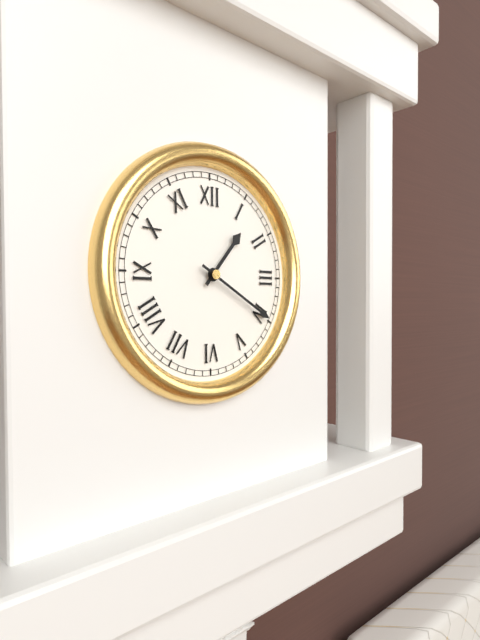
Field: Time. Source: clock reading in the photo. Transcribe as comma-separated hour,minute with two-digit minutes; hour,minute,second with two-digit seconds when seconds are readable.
1,20
